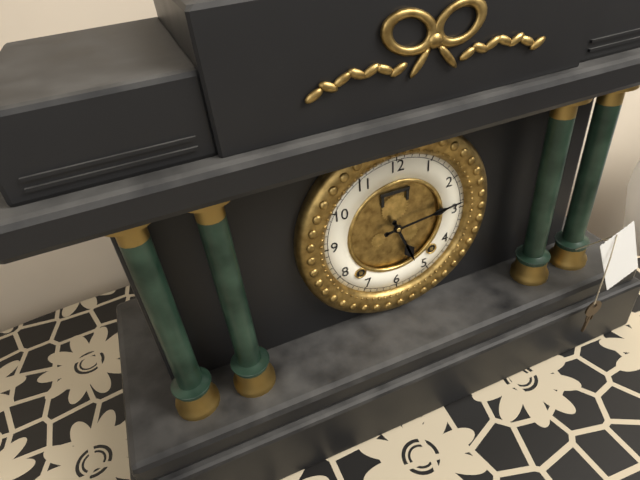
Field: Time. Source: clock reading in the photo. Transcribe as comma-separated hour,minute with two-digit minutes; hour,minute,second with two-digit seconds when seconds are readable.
5,14
